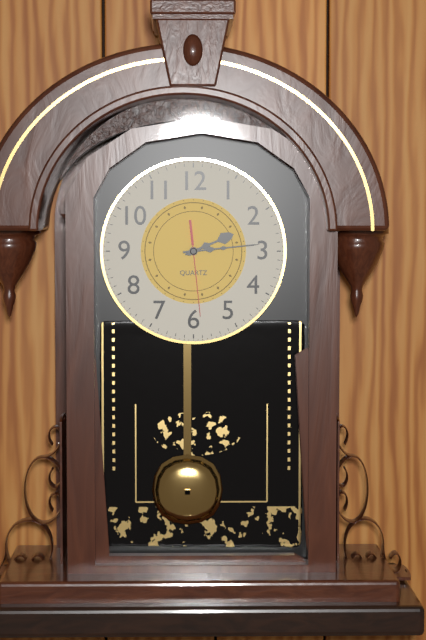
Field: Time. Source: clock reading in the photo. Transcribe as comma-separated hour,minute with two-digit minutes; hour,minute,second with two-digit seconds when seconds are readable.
2,14,29
